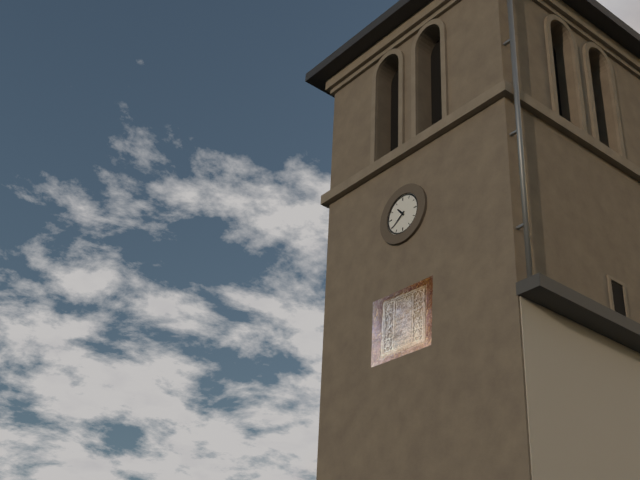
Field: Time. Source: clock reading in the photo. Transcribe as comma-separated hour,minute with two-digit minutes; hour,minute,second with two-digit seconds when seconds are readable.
10,39
